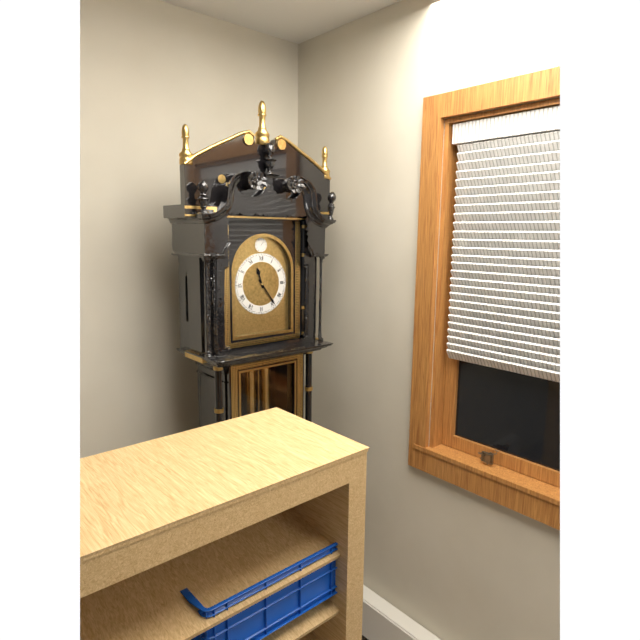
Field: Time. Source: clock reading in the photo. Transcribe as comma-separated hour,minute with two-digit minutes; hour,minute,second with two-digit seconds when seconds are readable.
11,24
